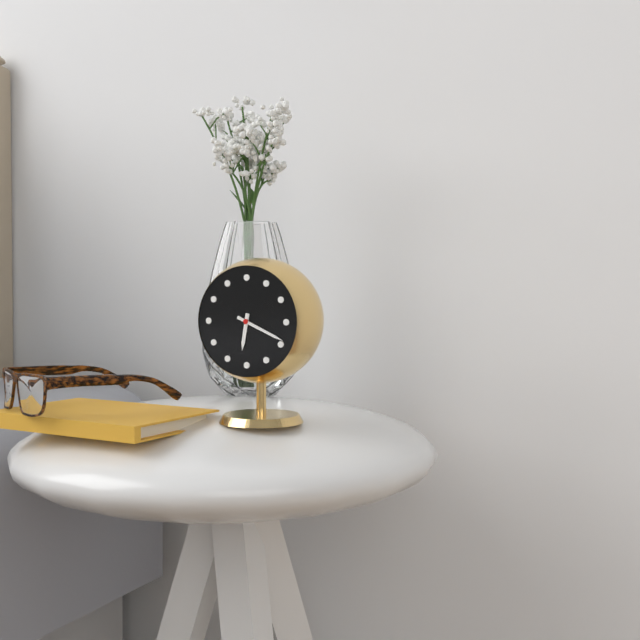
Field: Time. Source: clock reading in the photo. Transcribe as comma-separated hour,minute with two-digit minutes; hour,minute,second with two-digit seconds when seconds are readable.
6,19
